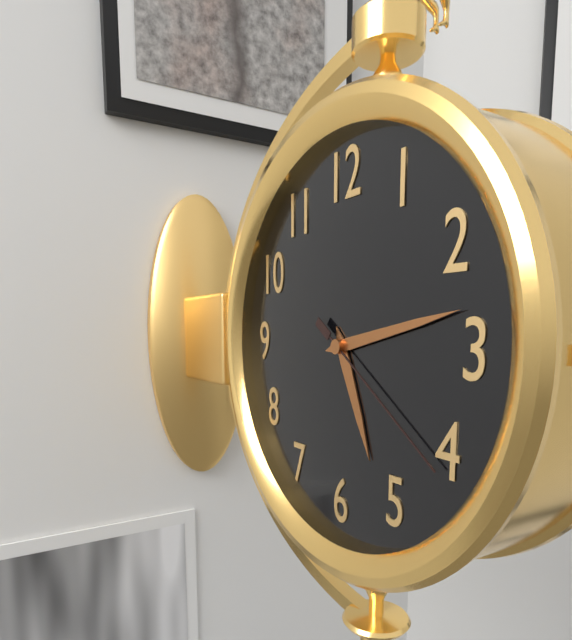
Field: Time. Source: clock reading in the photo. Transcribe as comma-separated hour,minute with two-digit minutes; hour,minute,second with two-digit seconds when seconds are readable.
5,13,21
